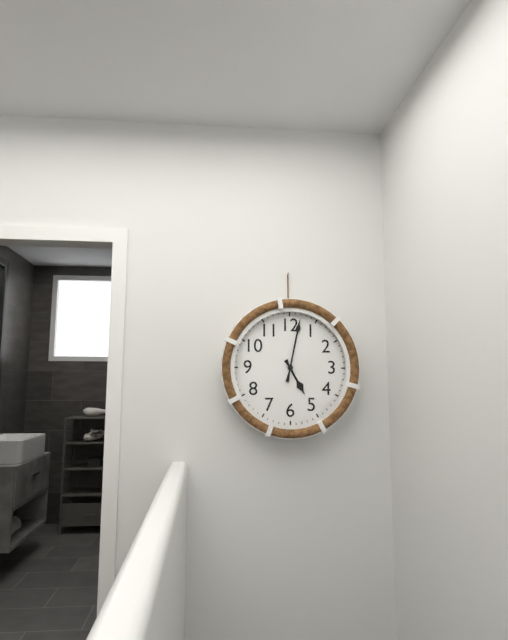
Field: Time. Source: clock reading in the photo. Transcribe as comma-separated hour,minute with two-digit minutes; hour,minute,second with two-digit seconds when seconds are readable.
5,02
